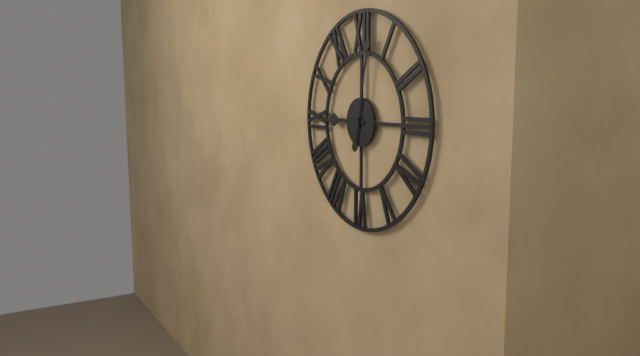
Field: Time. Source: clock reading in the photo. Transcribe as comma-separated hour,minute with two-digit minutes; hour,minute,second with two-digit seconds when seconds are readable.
9,02
